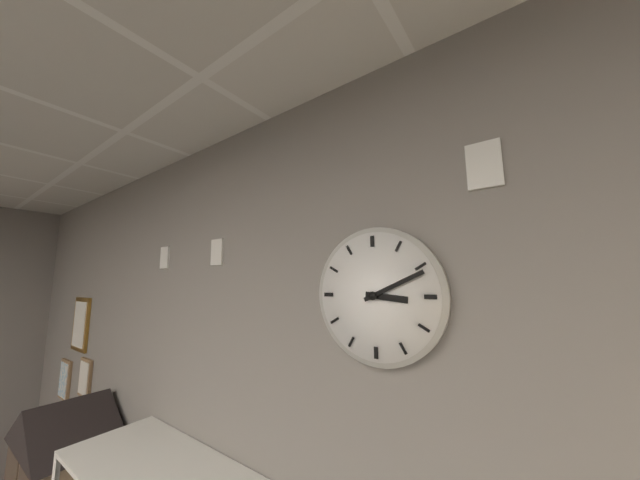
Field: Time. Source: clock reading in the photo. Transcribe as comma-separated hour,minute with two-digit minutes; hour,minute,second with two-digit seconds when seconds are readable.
3,11
